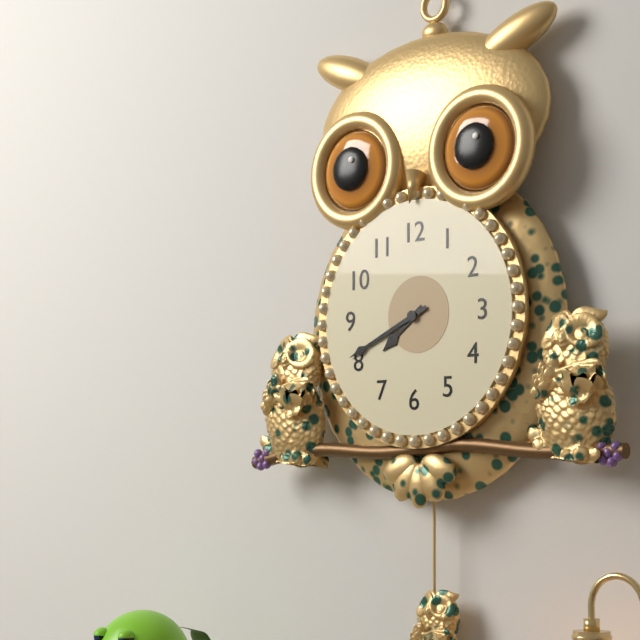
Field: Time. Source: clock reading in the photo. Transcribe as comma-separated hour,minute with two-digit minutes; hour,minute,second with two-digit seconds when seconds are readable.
7,41
